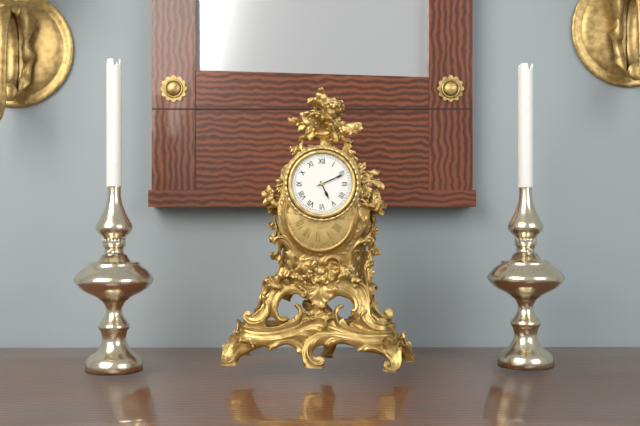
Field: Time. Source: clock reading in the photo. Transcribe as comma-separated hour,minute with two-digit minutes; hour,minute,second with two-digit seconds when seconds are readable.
5,11
